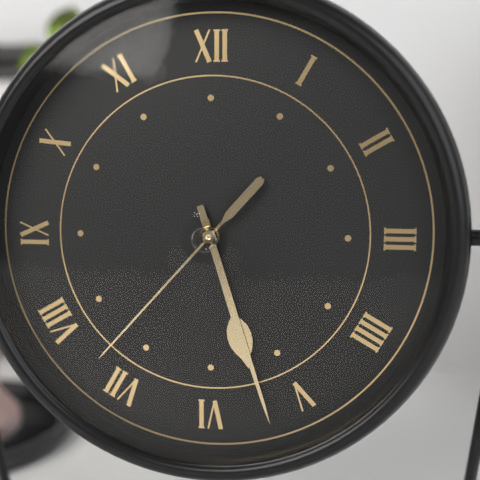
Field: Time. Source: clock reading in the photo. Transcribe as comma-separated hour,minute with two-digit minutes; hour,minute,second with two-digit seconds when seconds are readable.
5,27,37
